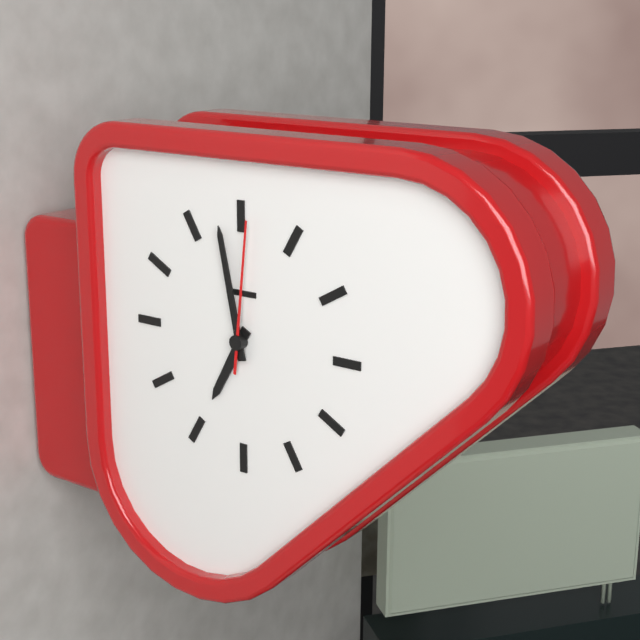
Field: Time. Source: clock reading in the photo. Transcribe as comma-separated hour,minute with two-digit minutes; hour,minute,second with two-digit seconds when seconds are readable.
6,58,01
